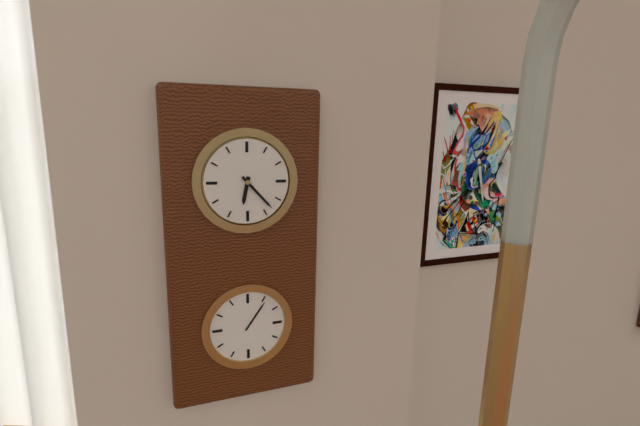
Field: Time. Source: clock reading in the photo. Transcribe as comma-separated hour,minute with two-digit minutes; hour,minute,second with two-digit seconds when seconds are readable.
6,23
